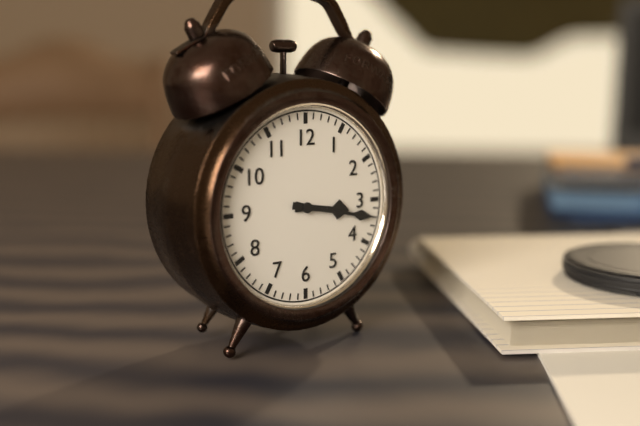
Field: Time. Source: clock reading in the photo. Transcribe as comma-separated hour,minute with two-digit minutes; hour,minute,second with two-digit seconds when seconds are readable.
3,17
